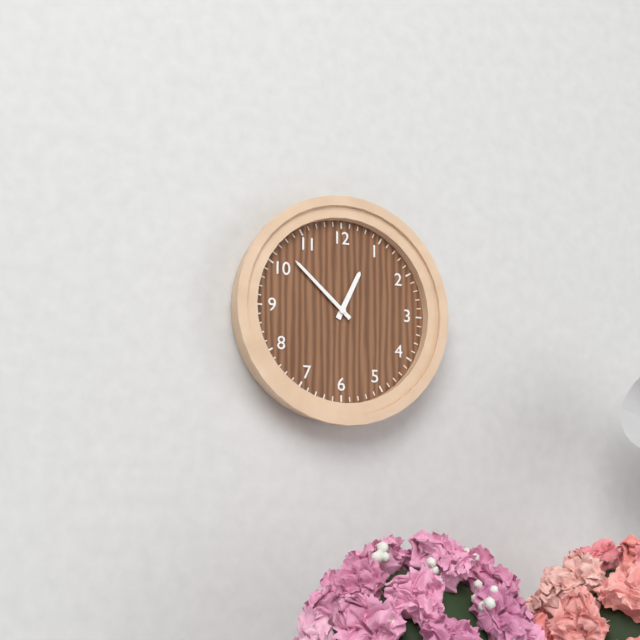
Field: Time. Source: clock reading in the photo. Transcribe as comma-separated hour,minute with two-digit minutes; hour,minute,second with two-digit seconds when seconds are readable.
12,52
